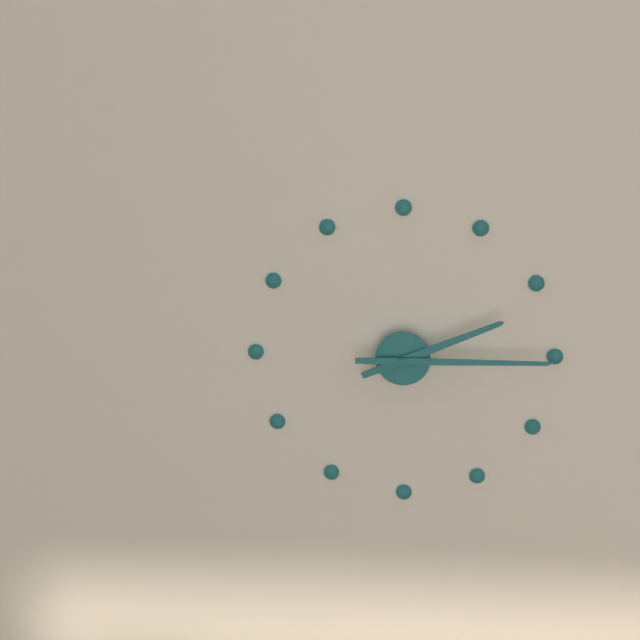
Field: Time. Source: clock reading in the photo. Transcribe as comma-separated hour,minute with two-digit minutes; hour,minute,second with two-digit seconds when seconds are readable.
2,15
